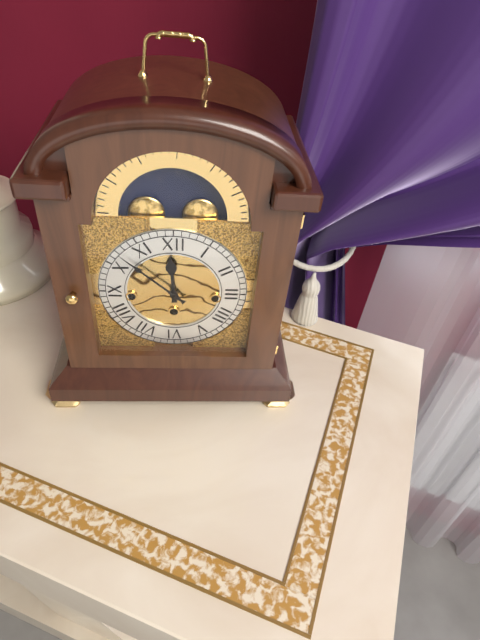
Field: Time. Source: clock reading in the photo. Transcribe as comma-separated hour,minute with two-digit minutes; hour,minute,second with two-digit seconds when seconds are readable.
11,52
